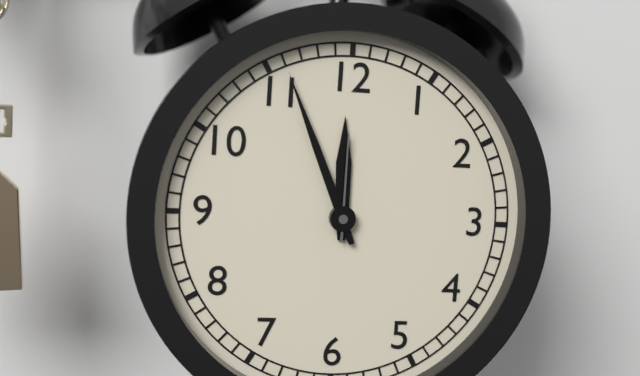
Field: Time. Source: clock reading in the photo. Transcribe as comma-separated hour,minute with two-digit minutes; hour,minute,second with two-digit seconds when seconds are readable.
11,56,00
